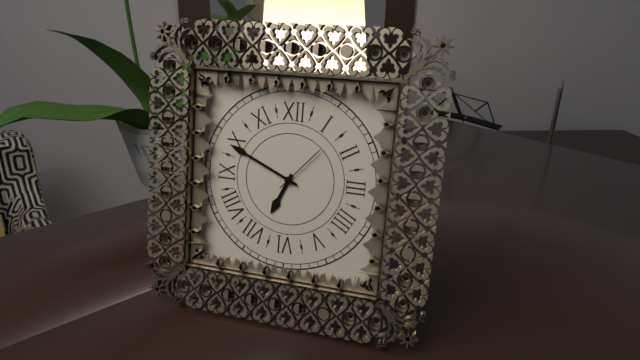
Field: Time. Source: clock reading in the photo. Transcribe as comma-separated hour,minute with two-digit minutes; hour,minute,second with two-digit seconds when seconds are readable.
6,49,07
